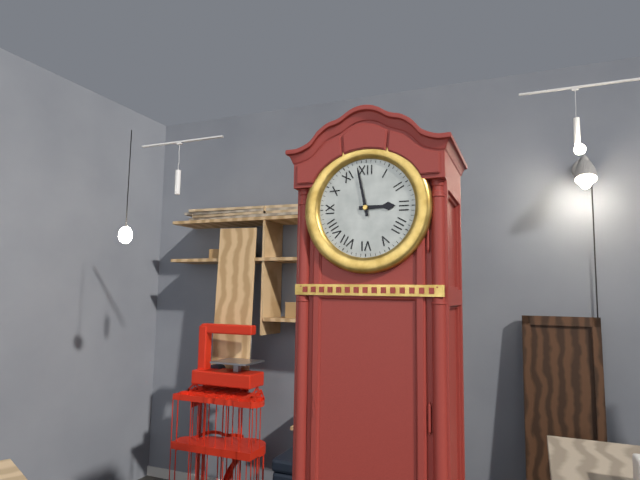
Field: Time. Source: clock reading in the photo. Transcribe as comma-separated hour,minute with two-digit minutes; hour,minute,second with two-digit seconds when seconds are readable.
2,58
